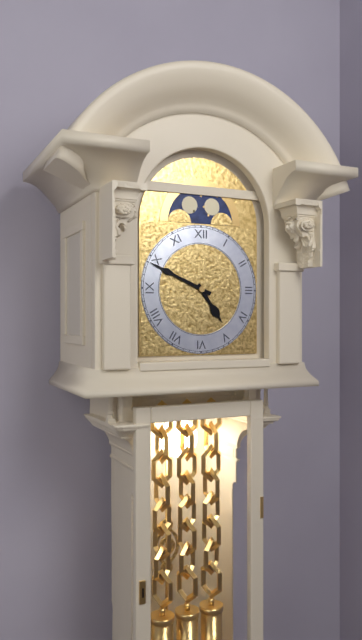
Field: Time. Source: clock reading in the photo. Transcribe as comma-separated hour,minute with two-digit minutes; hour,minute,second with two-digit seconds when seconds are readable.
4,49
